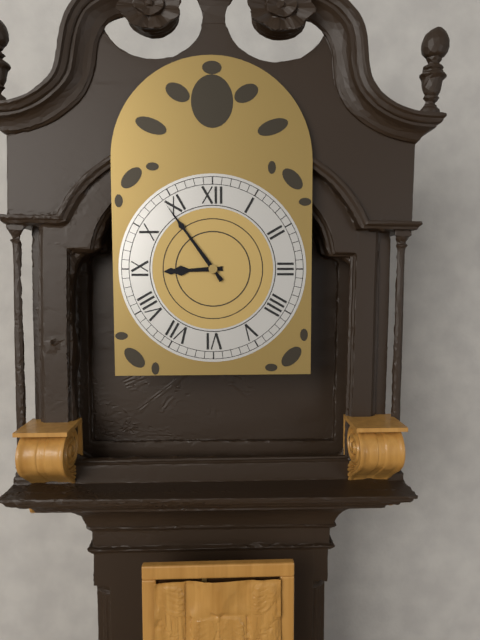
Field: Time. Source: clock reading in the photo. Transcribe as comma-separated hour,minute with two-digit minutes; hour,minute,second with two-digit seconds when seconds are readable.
8,54
